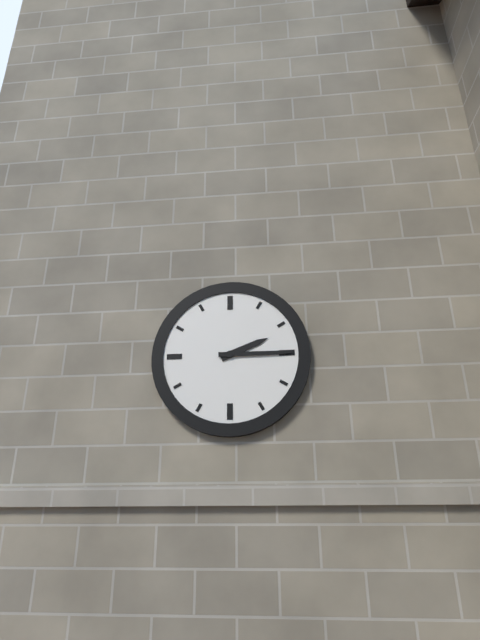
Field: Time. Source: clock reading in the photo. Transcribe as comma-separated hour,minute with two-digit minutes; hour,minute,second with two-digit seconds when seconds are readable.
2,15
